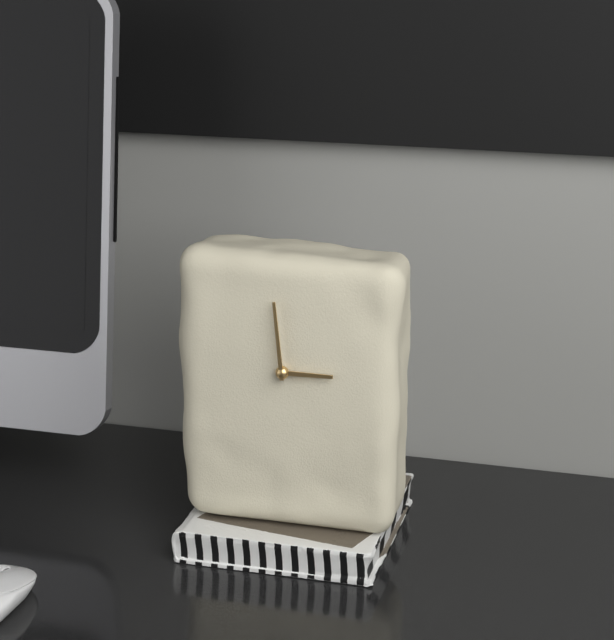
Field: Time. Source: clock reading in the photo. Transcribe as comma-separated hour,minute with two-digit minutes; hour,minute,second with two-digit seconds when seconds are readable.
2,59
